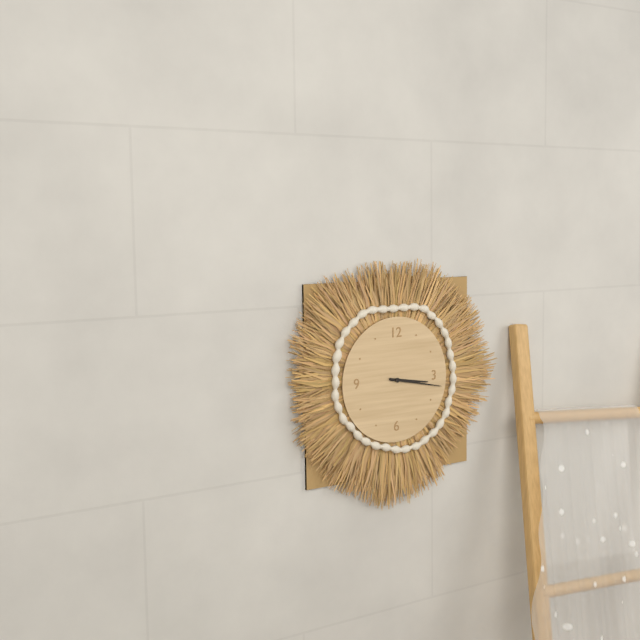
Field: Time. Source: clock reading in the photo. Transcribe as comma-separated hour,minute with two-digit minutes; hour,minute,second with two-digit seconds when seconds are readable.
3,17
